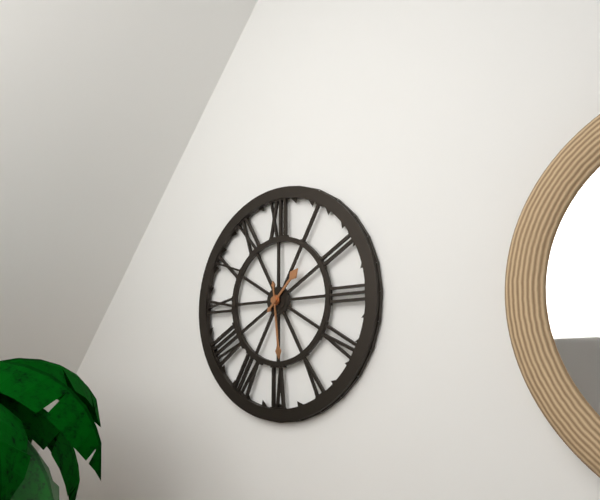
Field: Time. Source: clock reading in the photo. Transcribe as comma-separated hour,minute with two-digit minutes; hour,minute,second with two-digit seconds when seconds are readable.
1,29
